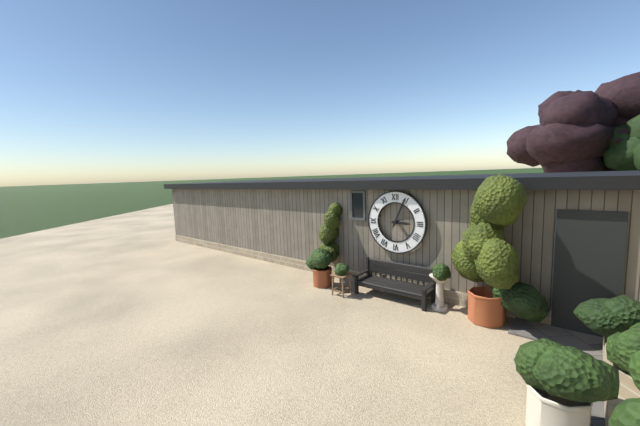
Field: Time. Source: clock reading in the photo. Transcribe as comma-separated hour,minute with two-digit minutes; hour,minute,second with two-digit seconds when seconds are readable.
3,04
